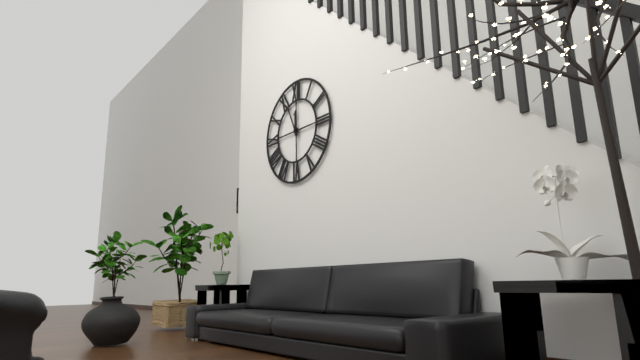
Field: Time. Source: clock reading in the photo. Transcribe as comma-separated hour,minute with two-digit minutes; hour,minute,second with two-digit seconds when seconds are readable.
11,56
